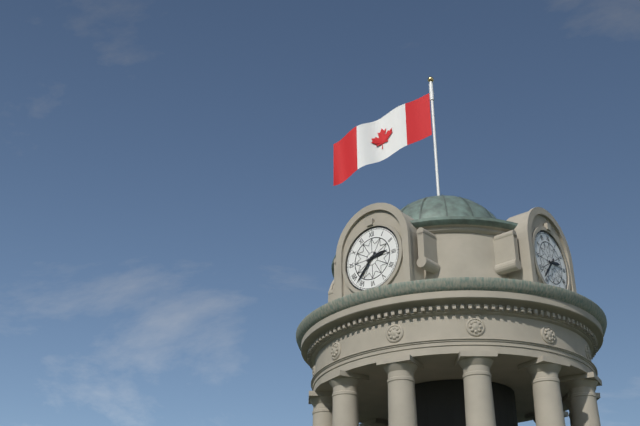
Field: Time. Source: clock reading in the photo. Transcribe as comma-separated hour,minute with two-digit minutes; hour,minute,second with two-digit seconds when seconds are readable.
2,37
